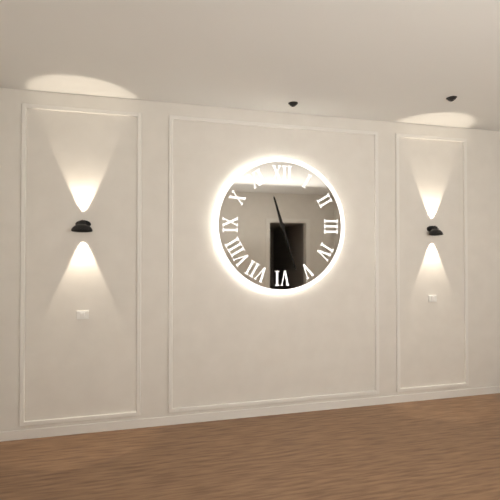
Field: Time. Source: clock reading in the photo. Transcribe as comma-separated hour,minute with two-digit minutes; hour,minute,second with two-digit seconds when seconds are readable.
11,27
